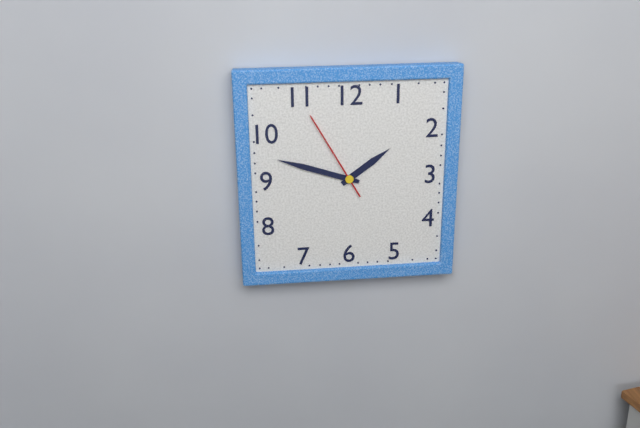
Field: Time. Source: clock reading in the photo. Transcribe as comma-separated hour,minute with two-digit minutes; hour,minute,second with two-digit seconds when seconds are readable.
1,48,55
